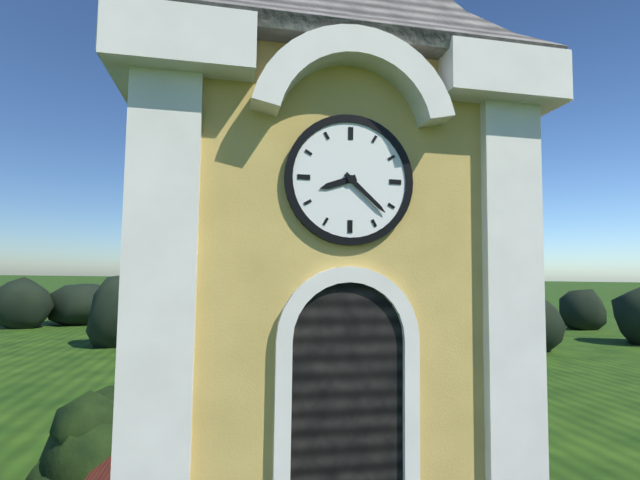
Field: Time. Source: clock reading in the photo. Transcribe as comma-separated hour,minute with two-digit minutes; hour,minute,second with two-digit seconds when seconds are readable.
8,22
